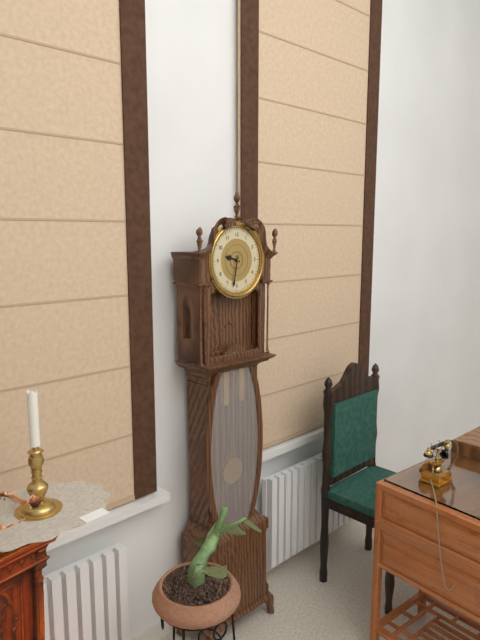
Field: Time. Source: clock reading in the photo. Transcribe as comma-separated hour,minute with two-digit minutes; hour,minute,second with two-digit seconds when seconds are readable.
9,32
